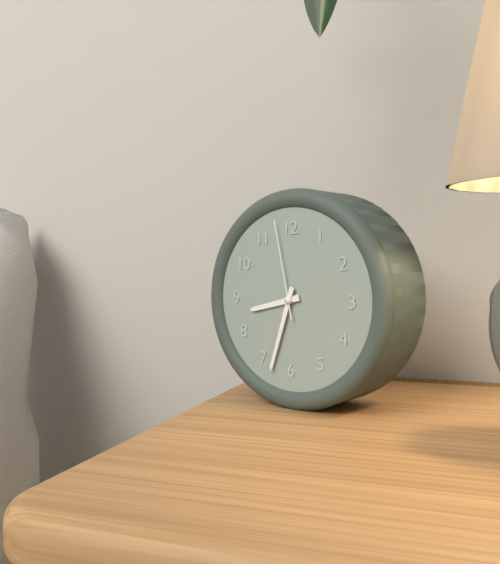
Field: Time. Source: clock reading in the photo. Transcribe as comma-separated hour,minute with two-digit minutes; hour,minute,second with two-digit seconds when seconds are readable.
8,33,58
